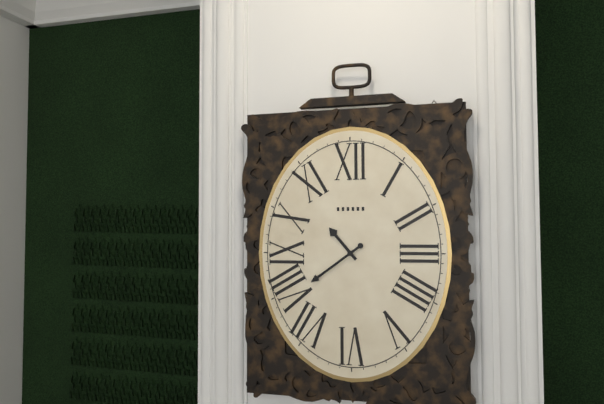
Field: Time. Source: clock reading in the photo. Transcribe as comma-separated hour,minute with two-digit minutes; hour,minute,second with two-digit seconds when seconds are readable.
10,39
